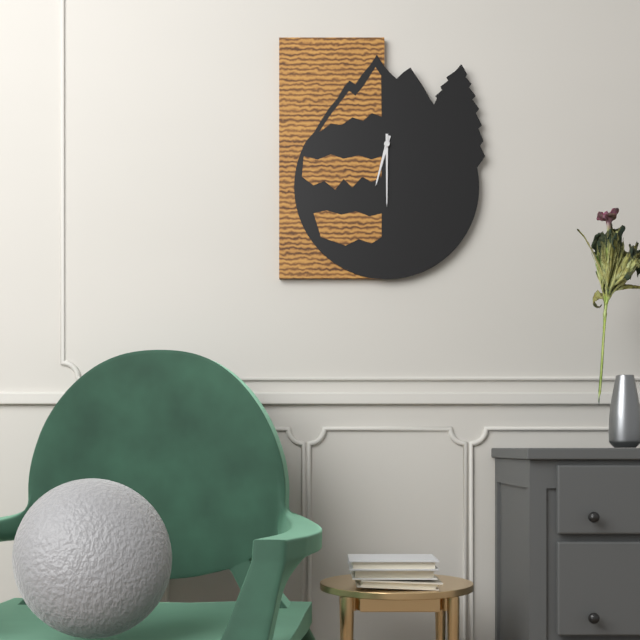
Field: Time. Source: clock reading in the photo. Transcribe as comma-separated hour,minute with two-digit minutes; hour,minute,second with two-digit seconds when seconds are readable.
6,30
